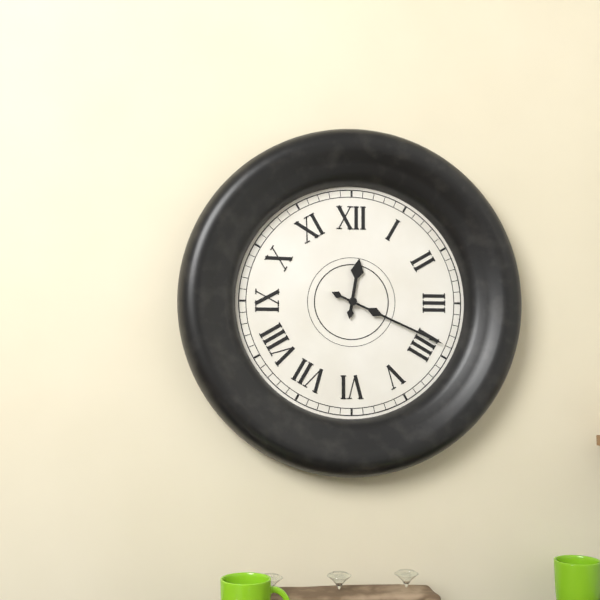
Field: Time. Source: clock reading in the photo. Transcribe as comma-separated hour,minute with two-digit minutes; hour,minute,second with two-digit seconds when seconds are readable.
12,19
